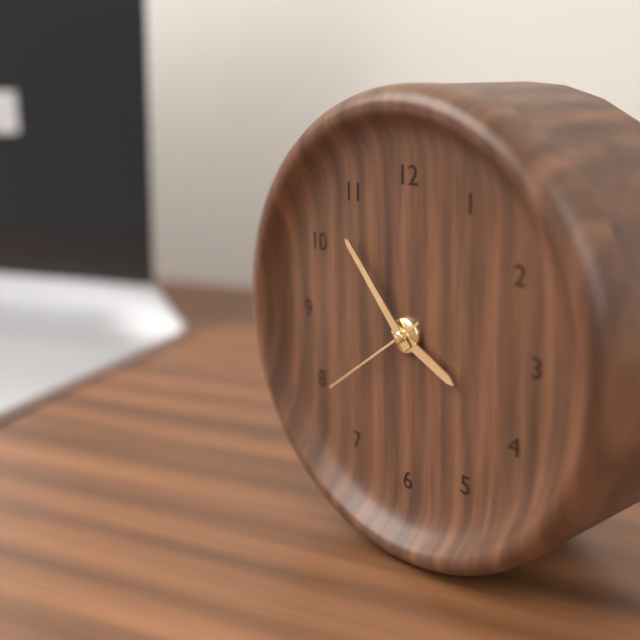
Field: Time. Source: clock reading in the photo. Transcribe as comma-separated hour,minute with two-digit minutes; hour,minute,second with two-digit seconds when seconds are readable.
3,53,39
